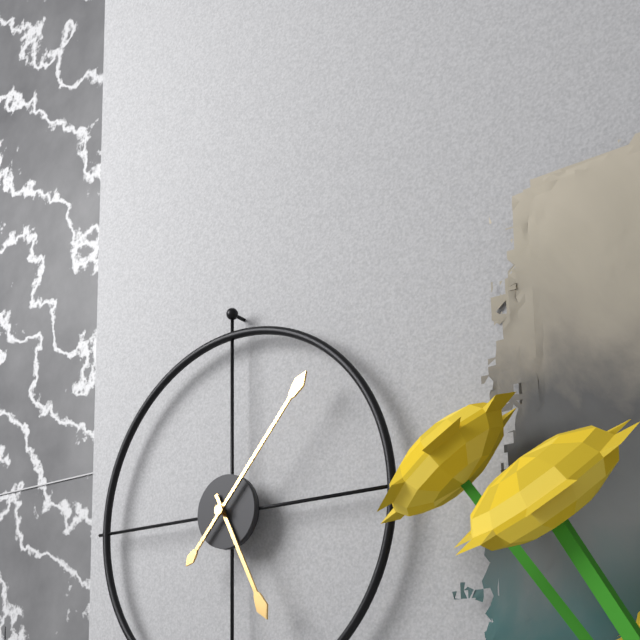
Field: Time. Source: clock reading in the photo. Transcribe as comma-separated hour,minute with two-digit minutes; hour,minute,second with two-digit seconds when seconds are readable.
5,07
